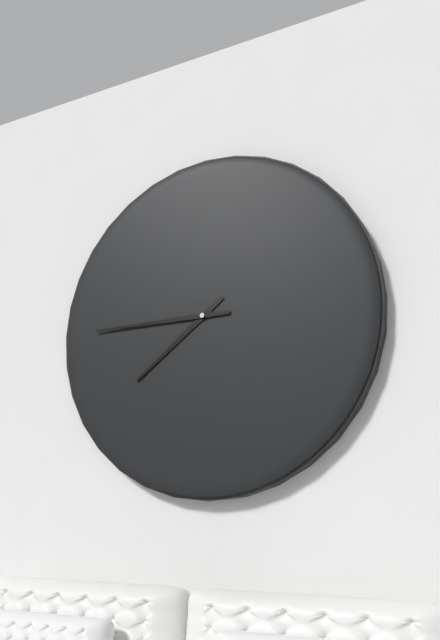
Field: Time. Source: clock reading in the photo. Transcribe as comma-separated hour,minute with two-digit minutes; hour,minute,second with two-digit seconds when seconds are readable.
7,45
